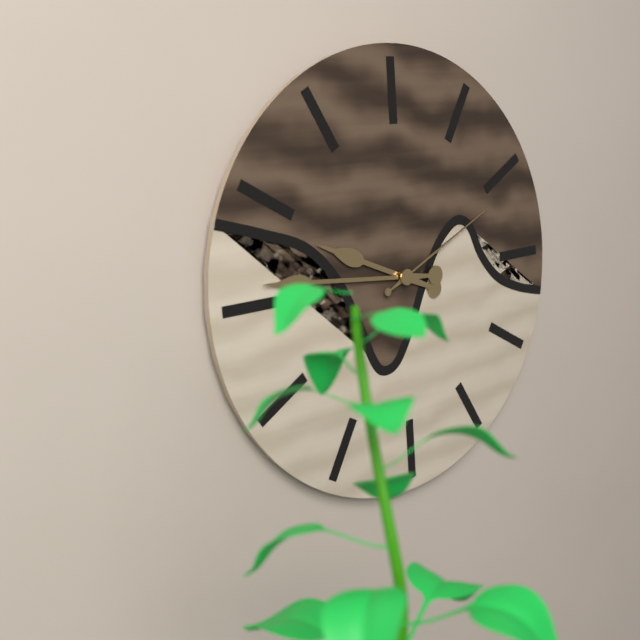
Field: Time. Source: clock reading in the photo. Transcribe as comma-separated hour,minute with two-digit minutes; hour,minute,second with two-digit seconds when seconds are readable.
9,46,11
